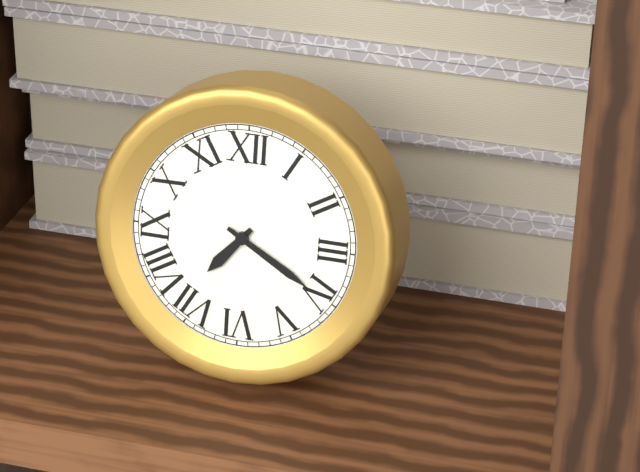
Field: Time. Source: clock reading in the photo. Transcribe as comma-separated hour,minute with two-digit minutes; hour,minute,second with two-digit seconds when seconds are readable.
7,20
